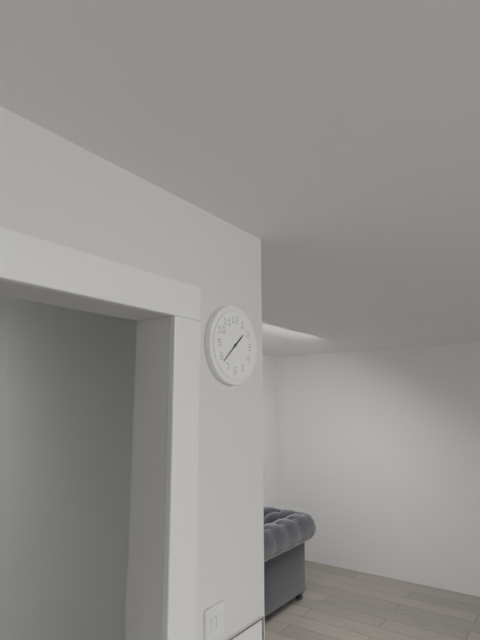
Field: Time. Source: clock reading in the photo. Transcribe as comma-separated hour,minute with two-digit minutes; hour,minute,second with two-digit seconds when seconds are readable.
1,38
